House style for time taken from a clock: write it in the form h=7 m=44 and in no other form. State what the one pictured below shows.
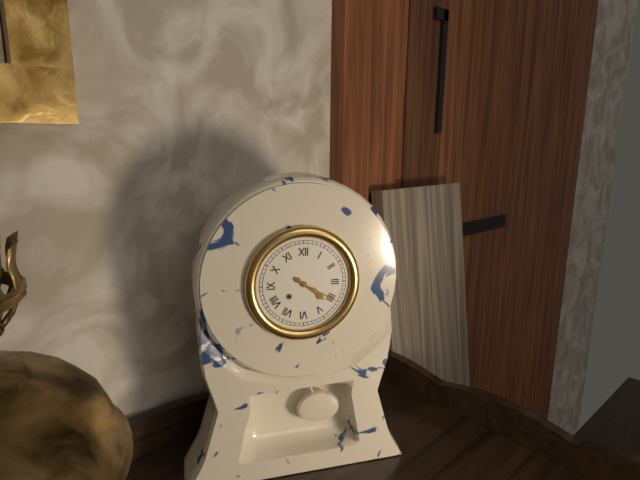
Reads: h=4 m=20
